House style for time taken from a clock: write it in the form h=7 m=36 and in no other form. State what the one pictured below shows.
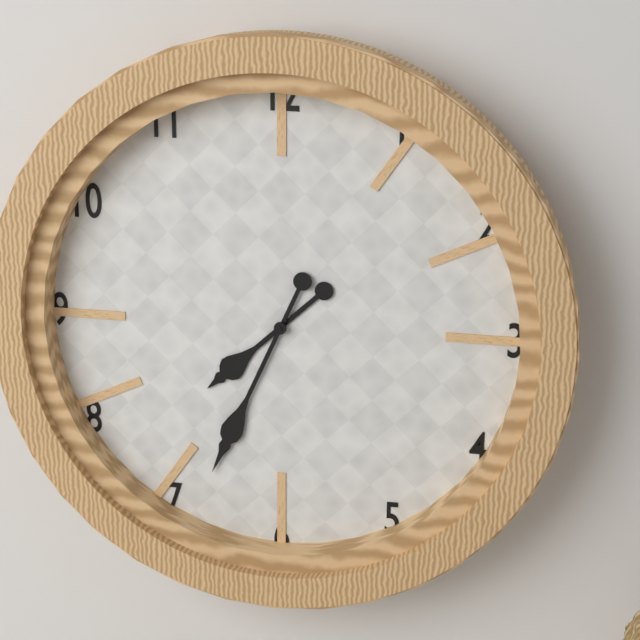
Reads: h=7 m=34
